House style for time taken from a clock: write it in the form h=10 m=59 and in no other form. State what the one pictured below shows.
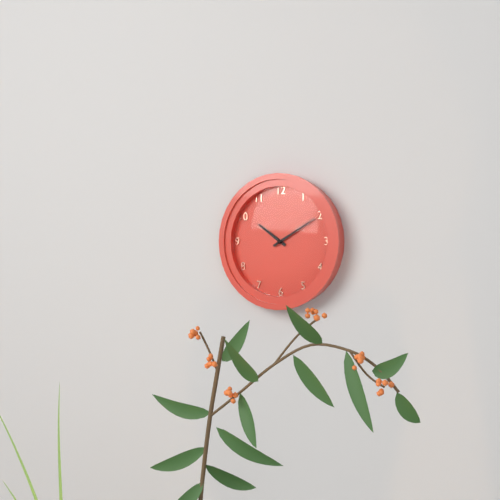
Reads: h=10 m=10
